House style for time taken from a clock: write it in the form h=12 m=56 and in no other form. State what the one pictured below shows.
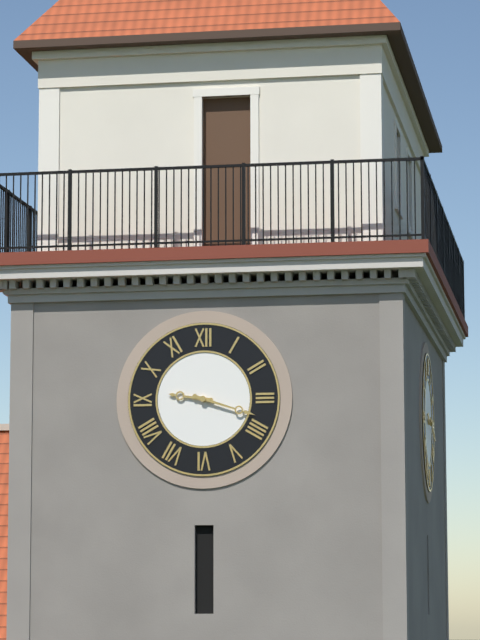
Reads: h=9 m=18
